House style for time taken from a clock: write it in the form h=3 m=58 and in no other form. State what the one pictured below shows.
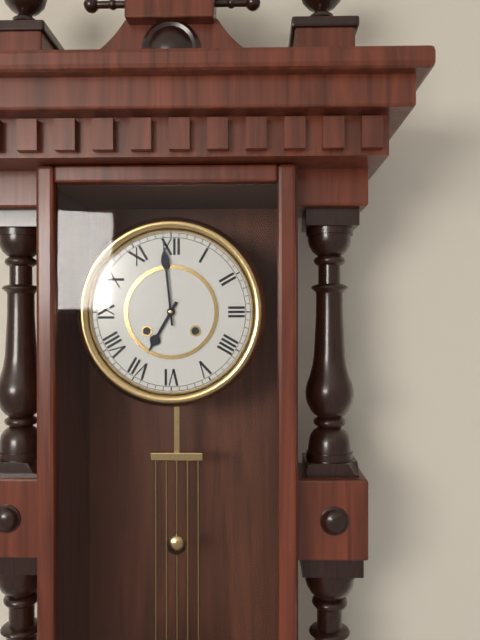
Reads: h=6 m=59
